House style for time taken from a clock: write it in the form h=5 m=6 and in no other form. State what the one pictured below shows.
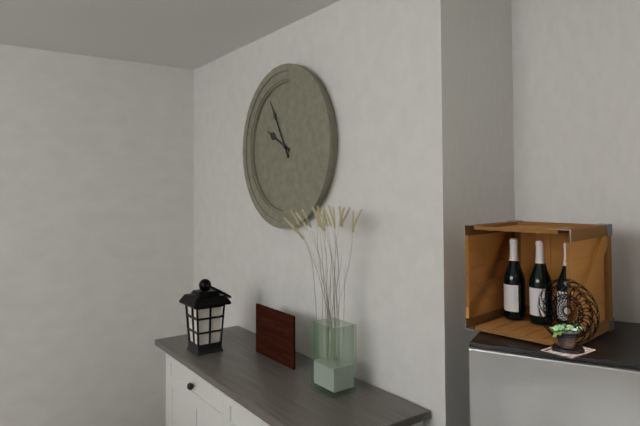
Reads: h=9 m=55
